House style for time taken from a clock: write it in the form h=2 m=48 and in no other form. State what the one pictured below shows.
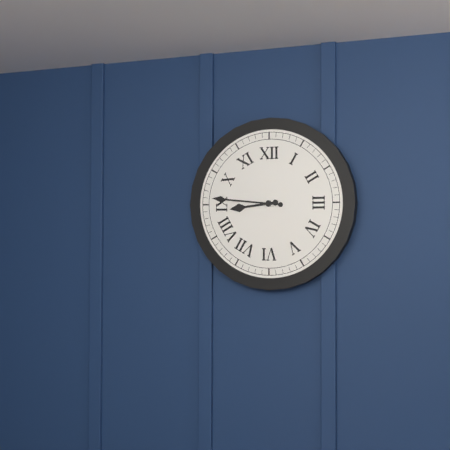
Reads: h=8 m=46
